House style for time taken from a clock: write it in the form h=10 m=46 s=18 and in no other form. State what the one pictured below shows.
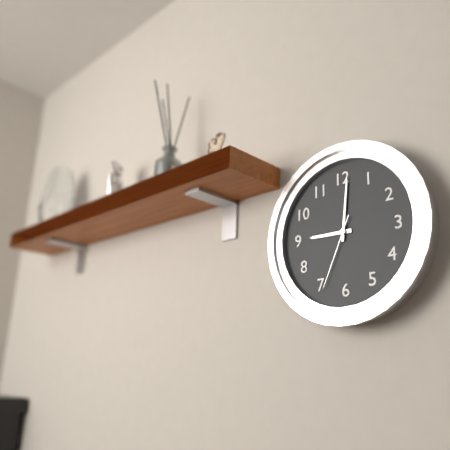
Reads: h=9 m=1 s=34
